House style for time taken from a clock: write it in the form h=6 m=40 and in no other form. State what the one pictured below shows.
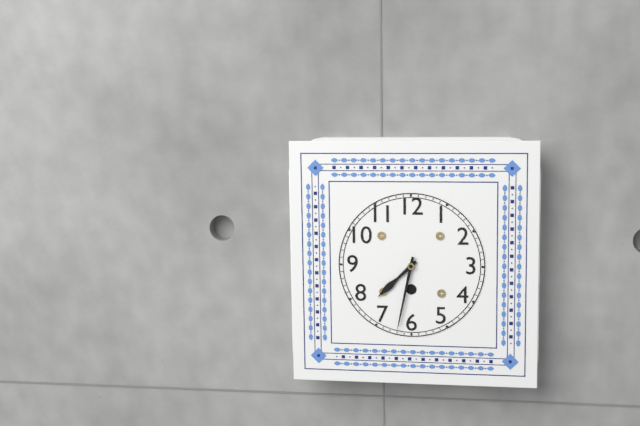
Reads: h=7 m=32
